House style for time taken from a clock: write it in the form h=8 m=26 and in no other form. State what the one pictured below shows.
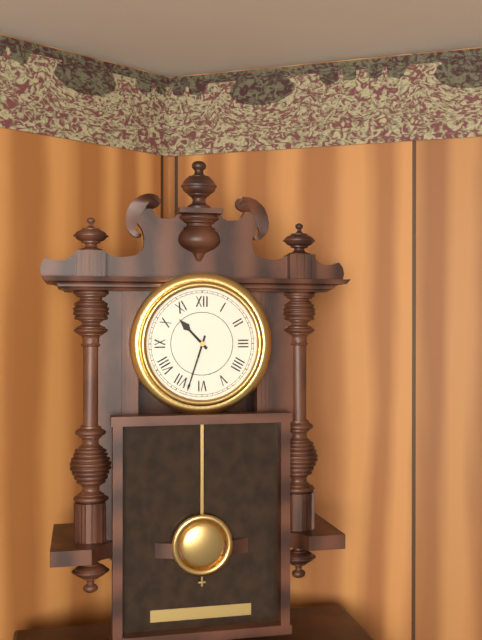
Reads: h=10 m=33
